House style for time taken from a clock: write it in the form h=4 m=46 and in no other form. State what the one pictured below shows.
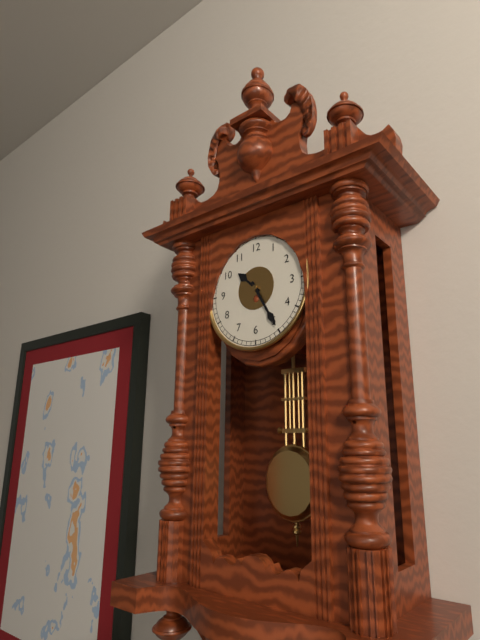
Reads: h=10 m=25
